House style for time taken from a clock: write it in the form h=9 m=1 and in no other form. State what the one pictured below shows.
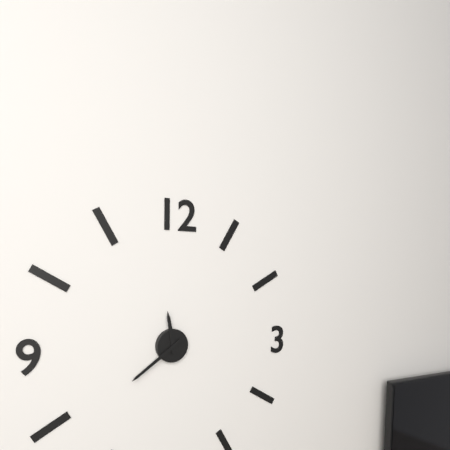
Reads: h=11 m=39
